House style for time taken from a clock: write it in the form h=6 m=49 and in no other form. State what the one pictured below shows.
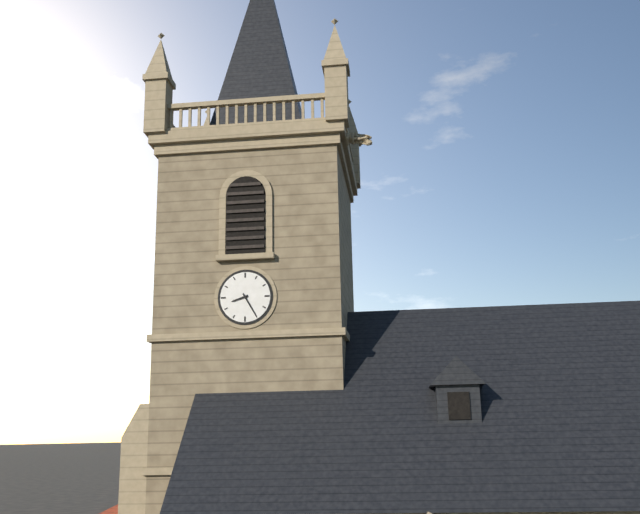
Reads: h=8 m=25
